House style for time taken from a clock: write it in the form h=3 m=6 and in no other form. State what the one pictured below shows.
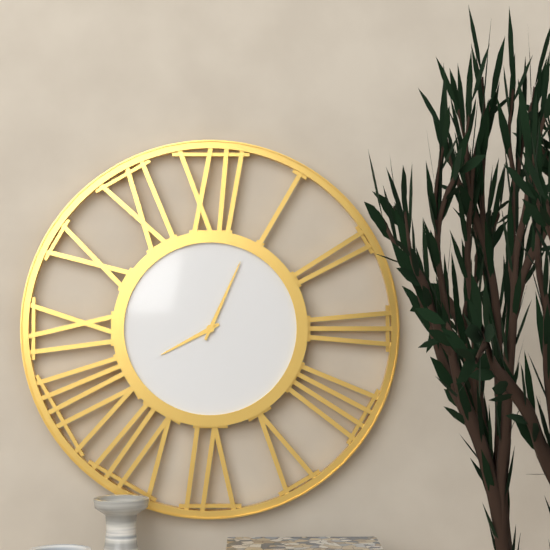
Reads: h=8 m=4
